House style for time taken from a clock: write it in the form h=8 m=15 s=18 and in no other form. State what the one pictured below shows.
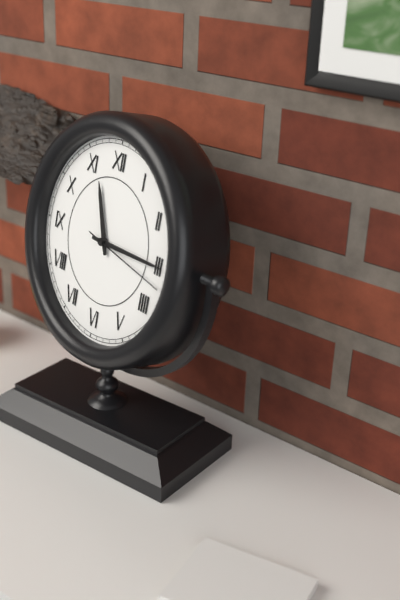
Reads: h=11 m=15 s=17
